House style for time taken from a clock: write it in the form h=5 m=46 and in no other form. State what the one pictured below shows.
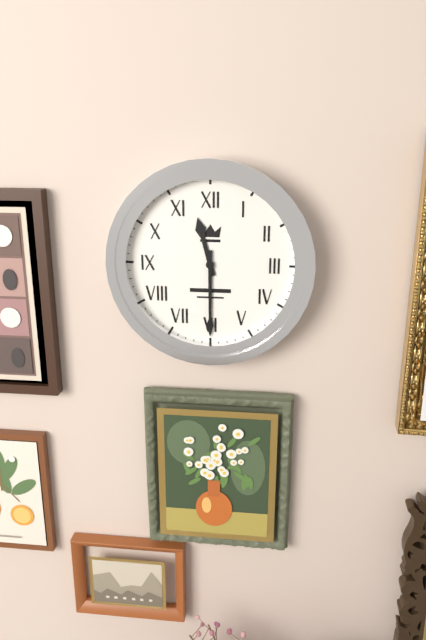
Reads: h=11 m=30
